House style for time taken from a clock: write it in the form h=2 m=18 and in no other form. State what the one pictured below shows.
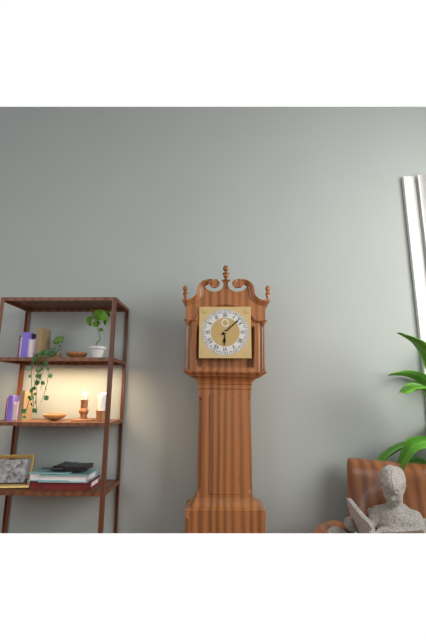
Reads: h=6 m=8
